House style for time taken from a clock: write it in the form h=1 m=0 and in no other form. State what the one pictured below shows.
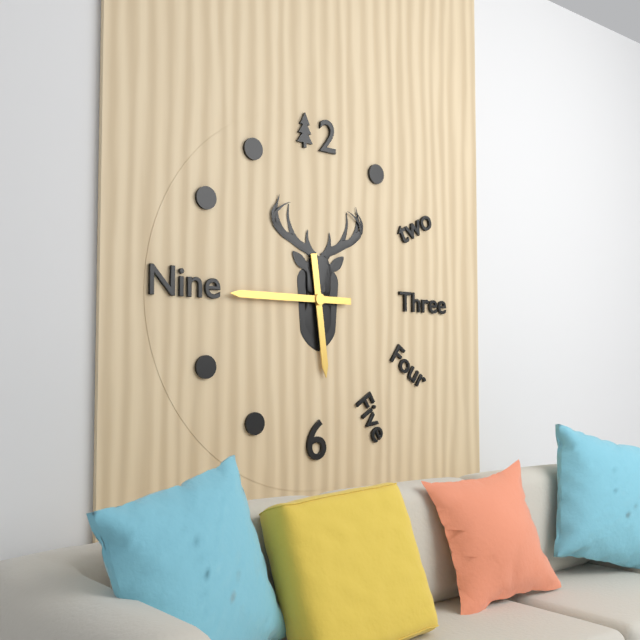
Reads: h=5 m=45
